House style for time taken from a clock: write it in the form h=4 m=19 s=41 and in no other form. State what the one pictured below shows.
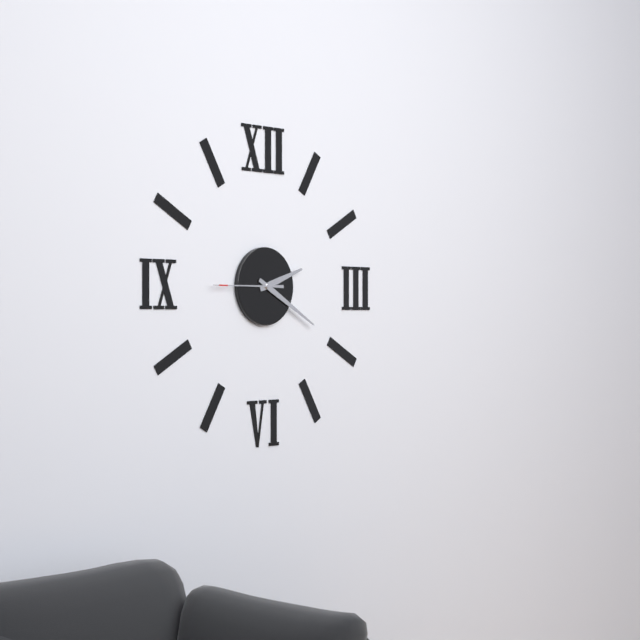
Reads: h=2 m=20 s=45
